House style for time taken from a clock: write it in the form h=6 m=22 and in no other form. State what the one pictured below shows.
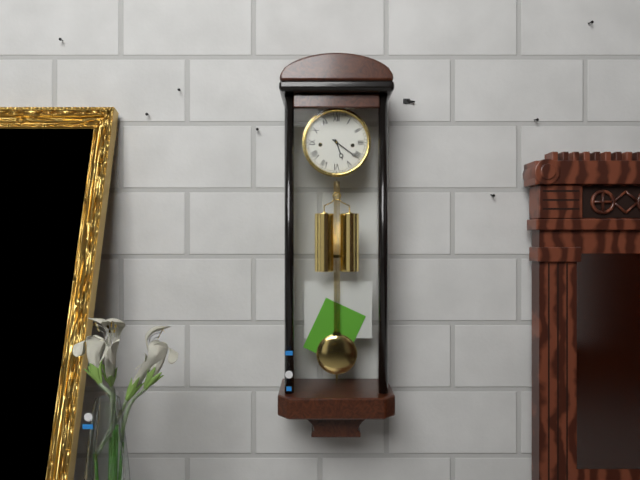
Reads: h=5 m=21
